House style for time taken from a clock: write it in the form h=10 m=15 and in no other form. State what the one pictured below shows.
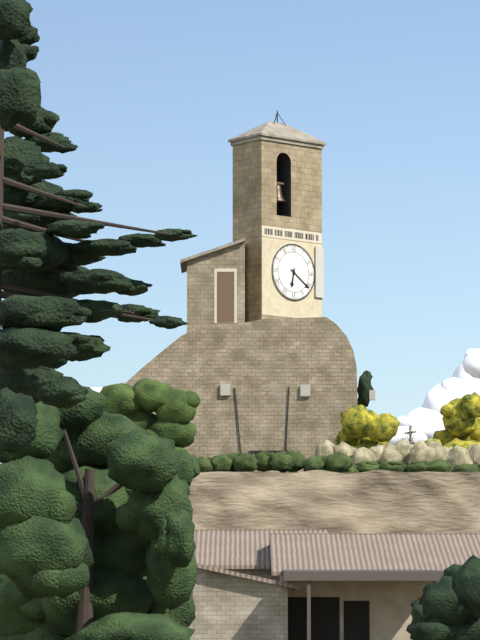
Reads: h=6 m=21
